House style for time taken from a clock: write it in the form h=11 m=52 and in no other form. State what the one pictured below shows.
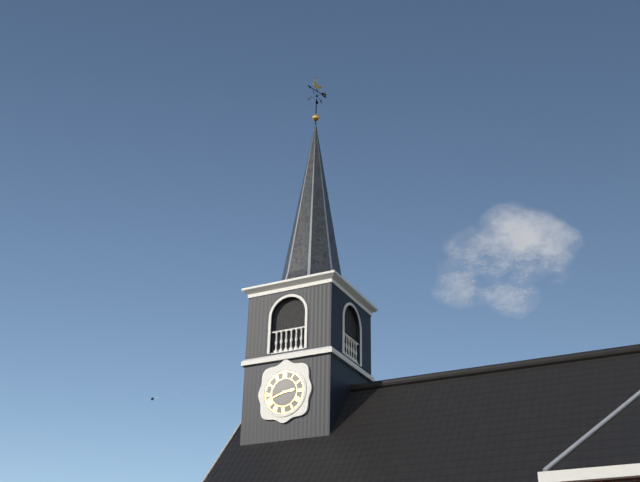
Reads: h=2 m=42
